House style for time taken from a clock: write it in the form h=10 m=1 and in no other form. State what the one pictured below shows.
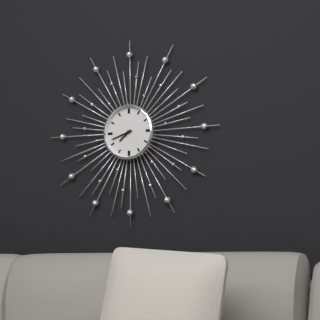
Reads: h=7 m=42
